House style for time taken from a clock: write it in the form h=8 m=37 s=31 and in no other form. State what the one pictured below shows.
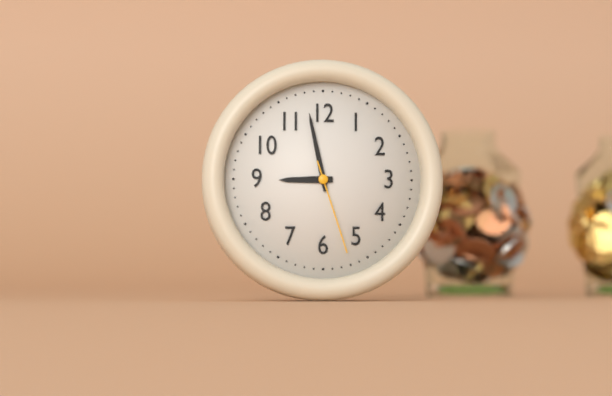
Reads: h=8 m=58 s=27
